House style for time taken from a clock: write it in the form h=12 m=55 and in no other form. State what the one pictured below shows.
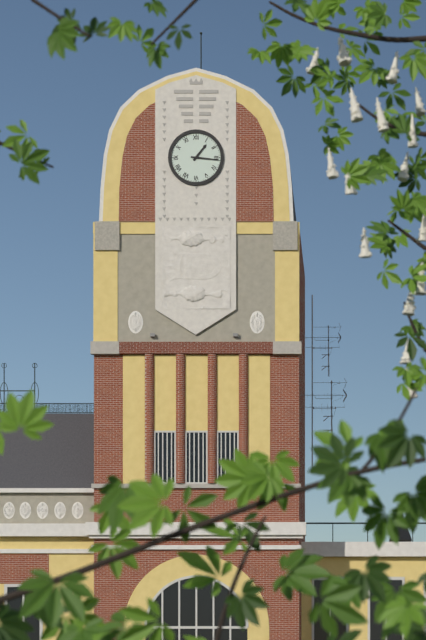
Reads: h=1 m=16
